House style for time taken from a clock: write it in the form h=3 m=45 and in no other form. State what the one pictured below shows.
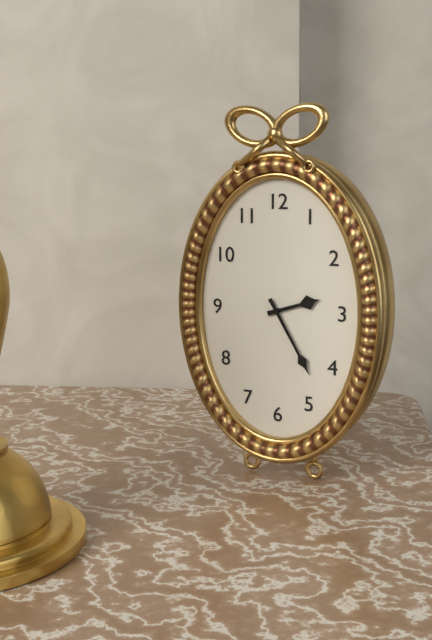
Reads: h=2 m=25
